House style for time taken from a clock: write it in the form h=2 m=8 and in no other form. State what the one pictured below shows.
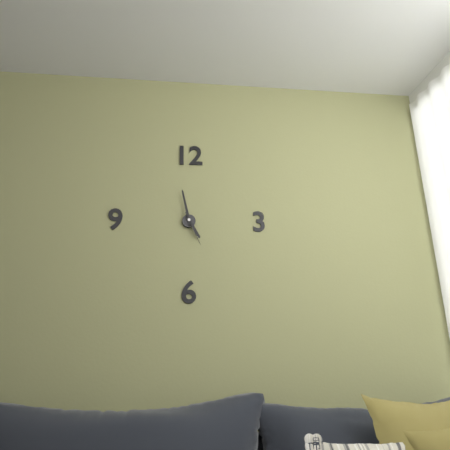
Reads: h=4 m=58
